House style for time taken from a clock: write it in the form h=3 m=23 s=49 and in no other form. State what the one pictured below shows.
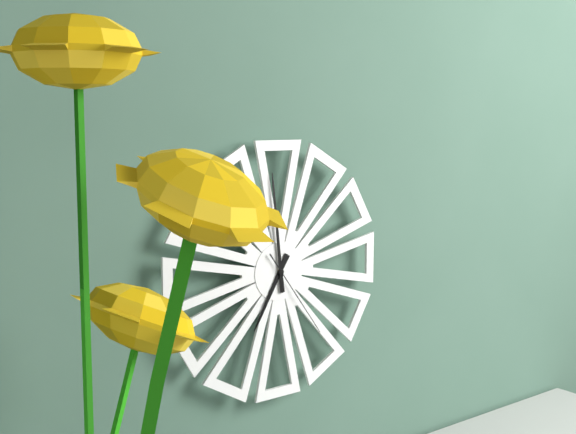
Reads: h=6 m=59 s=24
